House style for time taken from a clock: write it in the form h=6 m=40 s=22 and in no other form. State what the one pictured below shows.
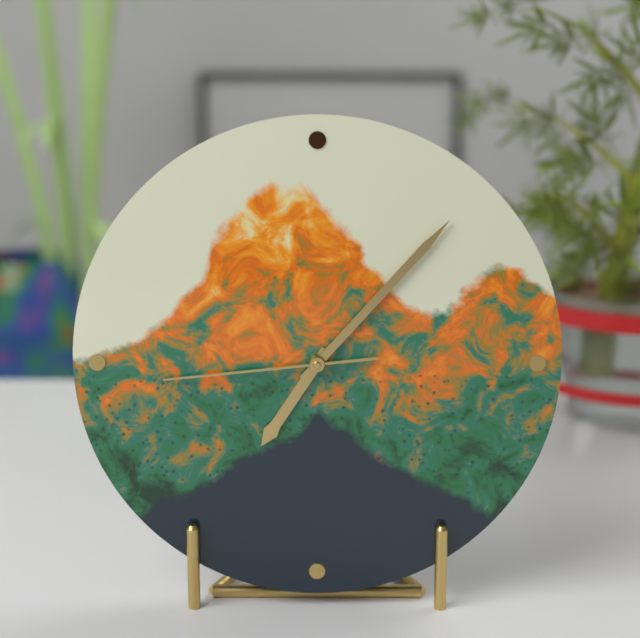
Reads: h=7 m=7 s=44
